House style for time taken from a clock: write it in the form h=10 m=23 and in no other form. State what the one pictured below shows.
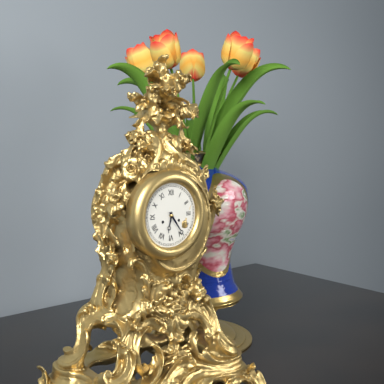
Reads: h=6 m=24
